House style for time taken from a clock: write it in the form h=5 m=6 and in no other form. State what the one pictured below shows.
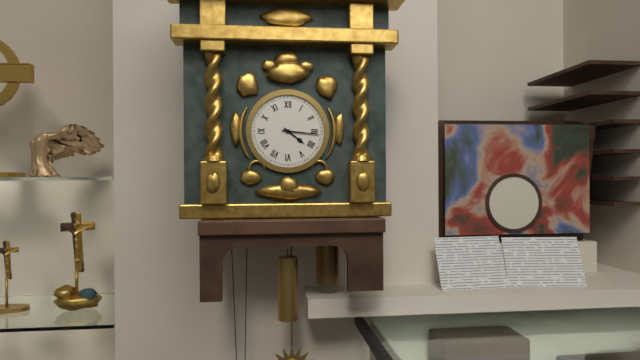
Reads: h=4 m=16
